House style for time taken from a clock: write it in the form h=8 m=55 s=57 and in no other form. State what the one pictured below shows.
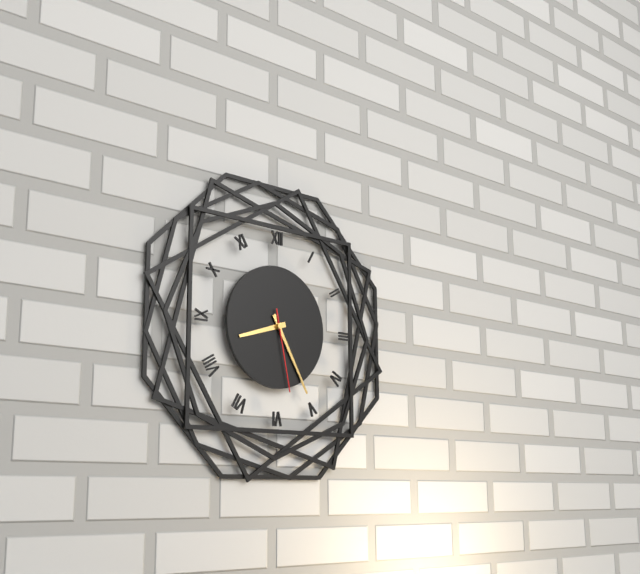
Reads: h=8 m=25 s=28
